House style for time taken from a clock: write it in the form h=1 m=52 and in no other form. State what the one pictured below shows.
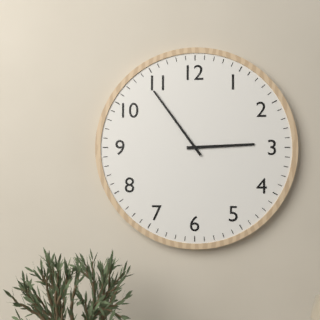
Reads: h=2 m=54
